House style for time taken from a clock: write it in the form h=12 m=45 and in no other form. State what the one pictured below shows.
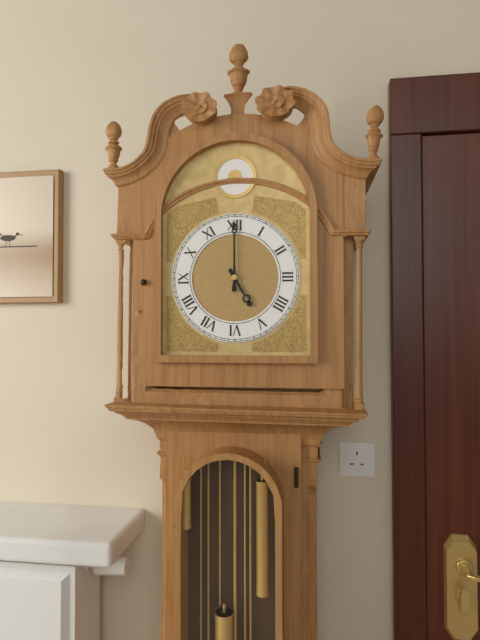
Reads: h=5 m=0
